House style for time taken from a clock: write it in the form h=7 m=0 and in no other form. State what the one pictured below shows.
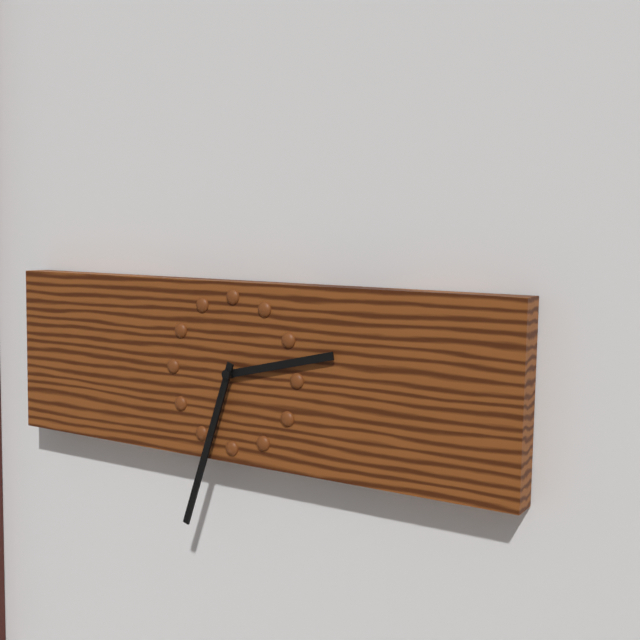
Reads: h=2 m=33
